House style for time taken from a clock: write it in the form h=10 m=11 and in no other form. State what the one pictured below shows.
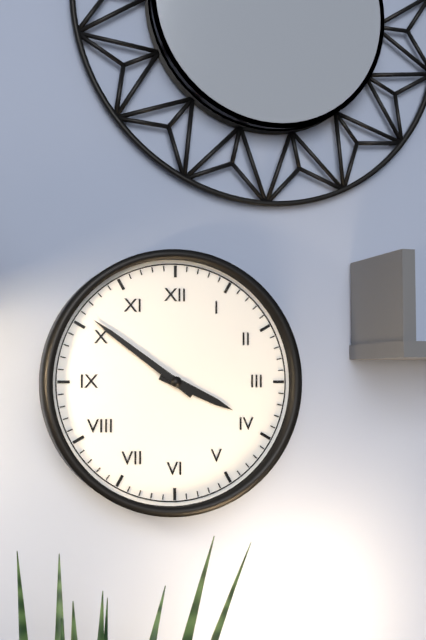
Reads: h=3 m=51
